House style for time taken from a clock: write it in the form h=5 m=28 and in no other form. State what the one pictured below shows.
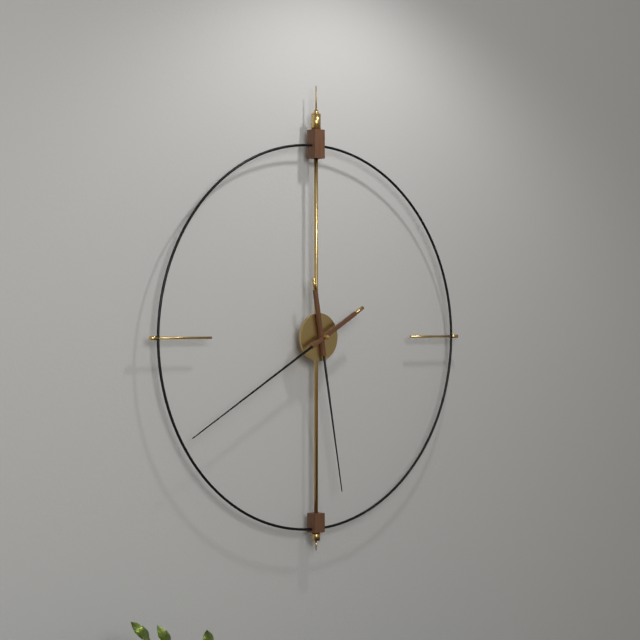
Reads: h=5 m=40
